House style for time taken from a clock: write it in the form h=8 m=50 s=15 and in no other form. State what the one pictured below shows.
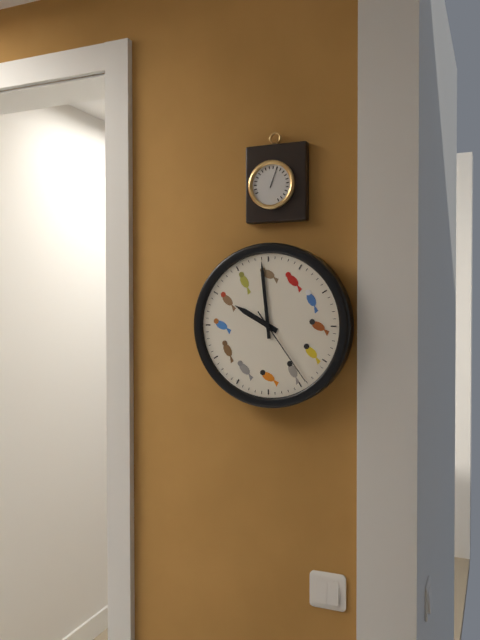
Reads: h=9 m=59 s=24
